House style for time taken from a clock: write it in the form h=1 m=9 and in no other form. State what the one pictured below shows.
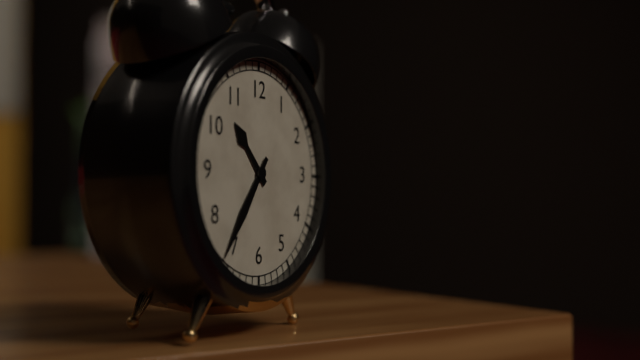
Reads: h=10 m=36
